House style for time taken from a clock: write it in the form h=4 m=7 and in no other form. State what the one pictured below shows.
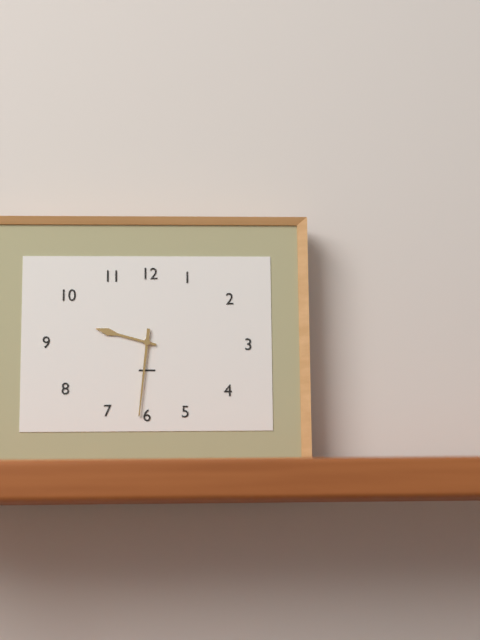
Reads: h=9 m=31
